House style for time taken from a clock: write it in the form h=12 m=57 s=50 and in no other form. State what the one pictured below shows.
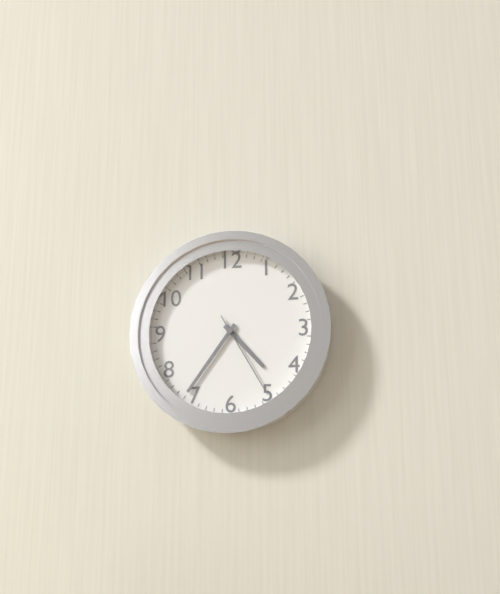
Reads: h=4 m=36 s=25
